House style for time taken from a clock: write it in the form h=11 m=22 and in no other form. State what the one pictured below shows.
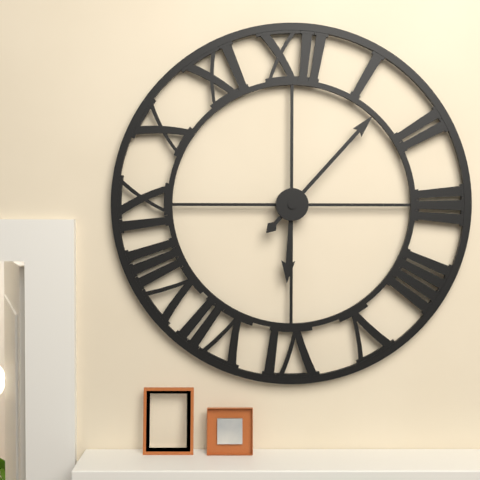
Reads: h=6 m=7
